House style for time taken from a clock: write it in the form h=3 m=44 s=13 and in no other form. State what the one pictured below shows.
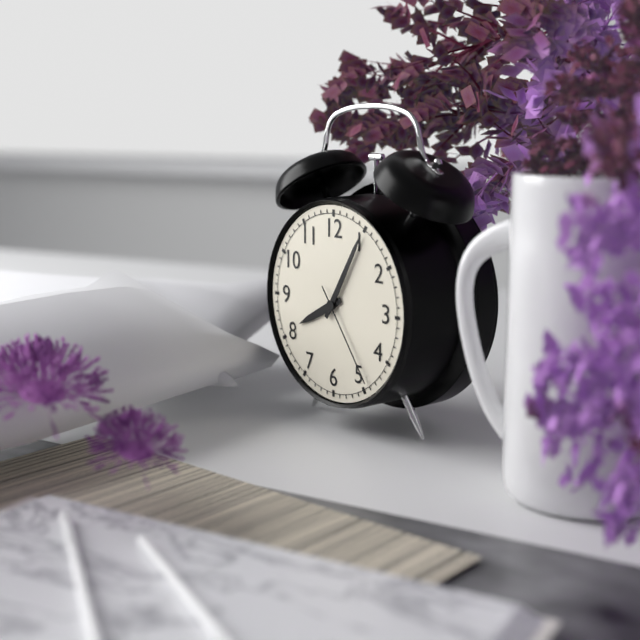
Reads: h=8 m=5 s=24
